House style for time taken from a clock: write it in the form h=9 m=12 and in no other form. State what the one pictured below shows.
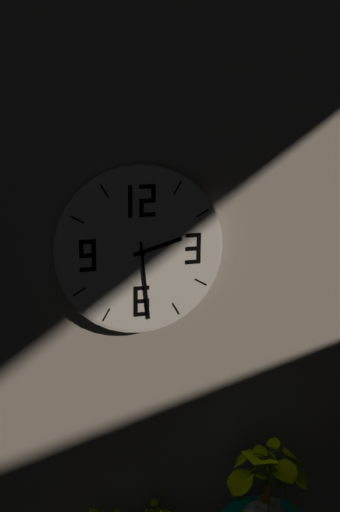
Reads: h=2 m=29
